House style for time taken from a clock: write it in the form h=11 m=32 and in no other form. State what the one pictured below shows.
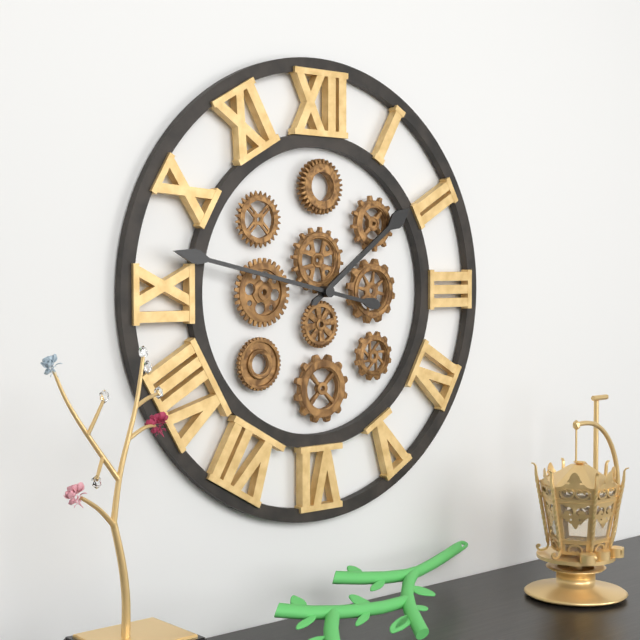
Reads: h=1 m=47
